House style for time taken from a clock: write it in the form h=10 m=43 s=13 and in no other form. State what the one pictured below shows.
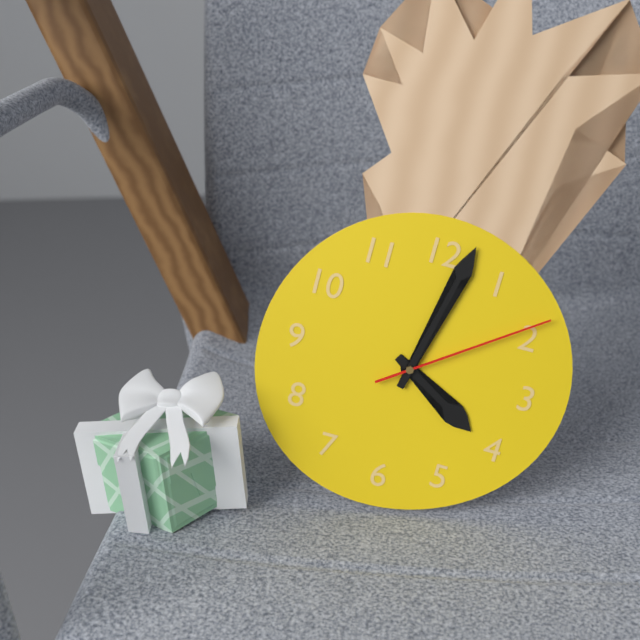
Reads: h=4 m=2 s=9
